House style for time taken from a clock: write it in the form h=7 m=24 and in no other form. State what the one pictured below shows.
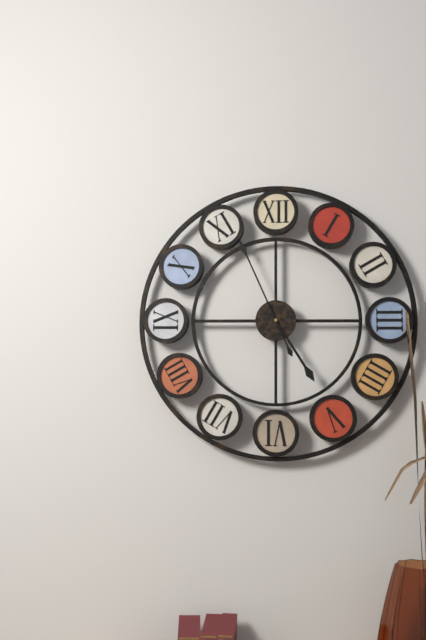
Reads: h=4 m=56
